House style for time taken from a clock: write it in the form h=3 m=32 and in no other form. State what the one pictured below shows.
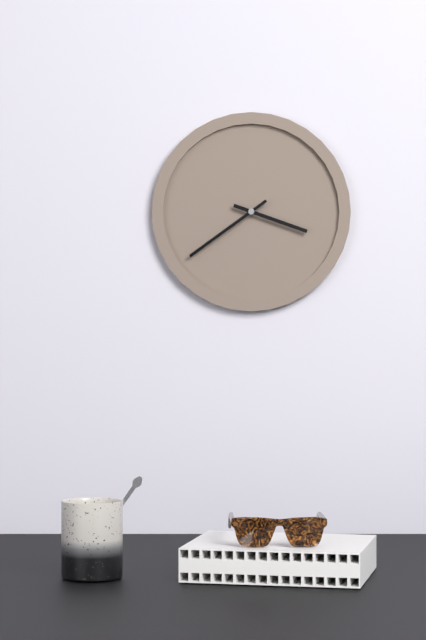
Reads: h=3 m=39
